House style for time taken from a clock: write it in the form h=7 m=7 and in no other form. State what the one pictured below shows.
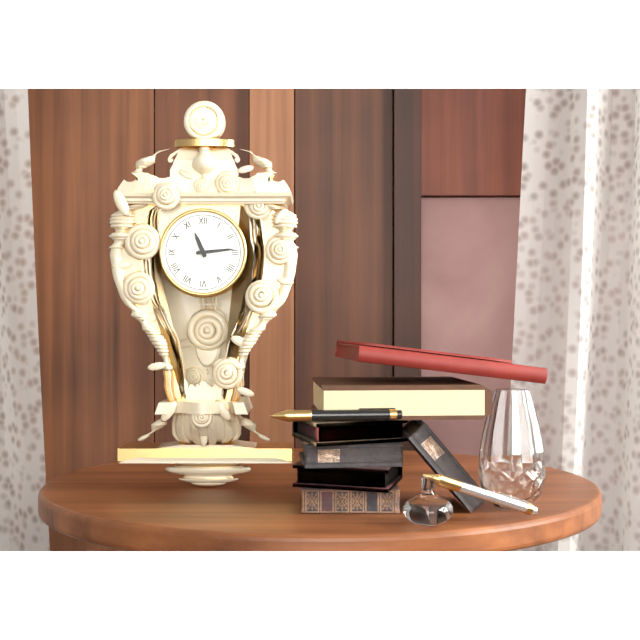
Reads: h=11 m=14
